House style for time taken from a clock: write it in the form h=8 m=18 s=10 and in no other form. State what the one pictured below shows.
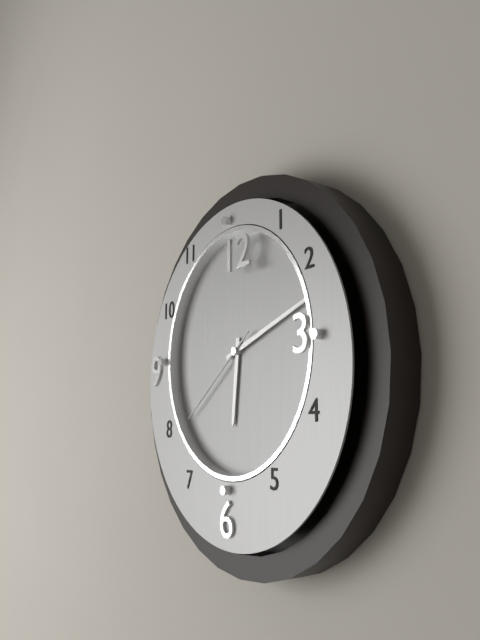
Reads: h=6 m=12 s=39
